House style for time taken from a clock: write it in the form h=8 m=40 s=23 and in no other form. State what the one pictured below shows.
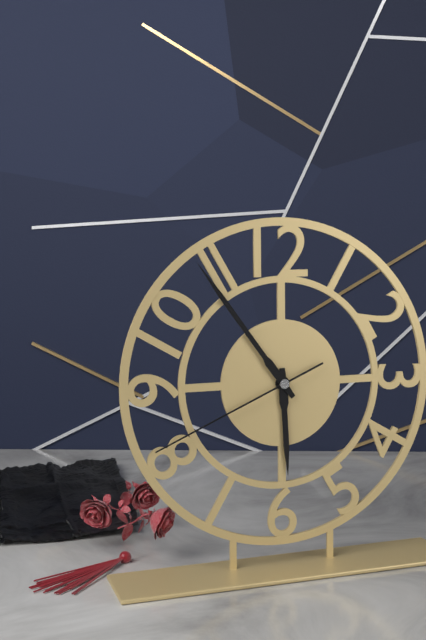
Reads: h=5 m=54 s=41
